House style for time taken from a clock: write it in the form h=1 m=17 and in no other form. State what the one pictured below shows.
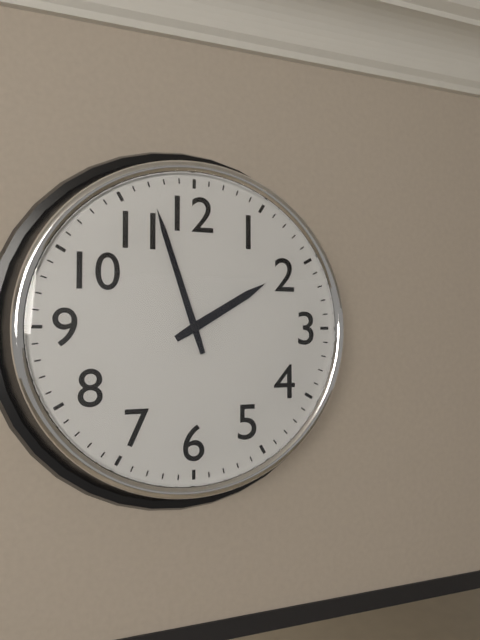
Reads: h=1 m=57
